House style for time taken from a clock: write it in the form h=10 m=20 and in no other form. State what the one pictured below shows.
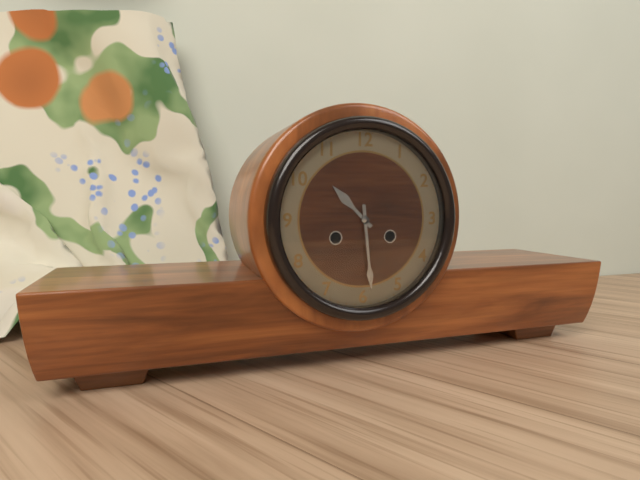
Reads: h=10 m=29
